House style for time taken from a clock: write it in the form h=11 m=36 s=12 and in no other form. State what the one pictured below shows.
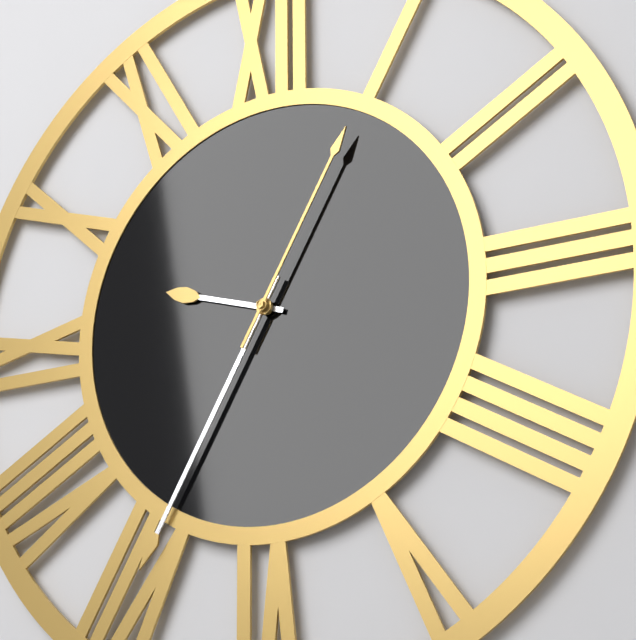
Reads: h=9 m=35 s=5
